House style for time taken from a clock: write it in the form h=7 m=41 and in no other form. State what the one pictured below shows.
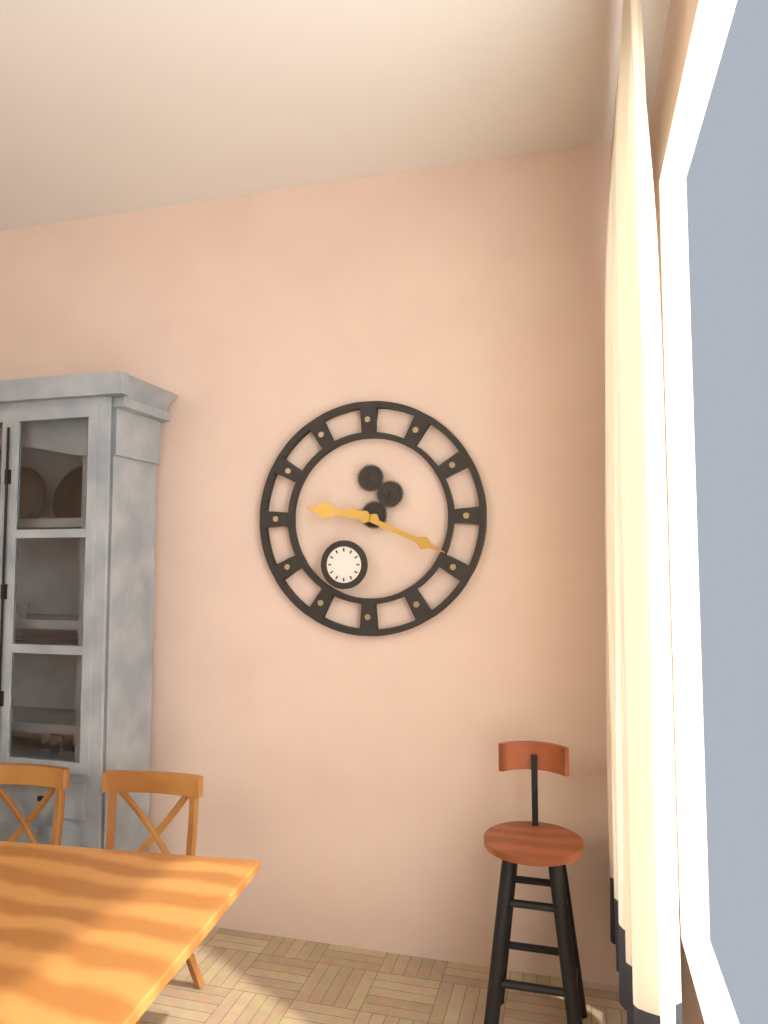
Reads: h=9 m=19
